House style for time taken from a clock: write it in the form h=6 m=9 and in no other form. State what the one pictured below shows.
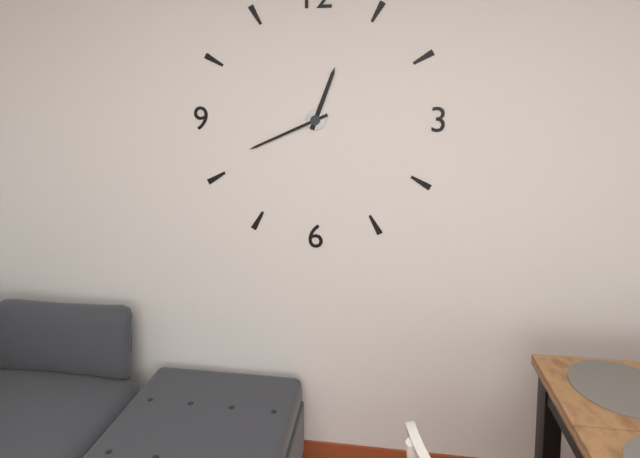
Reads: h=12 m=41
